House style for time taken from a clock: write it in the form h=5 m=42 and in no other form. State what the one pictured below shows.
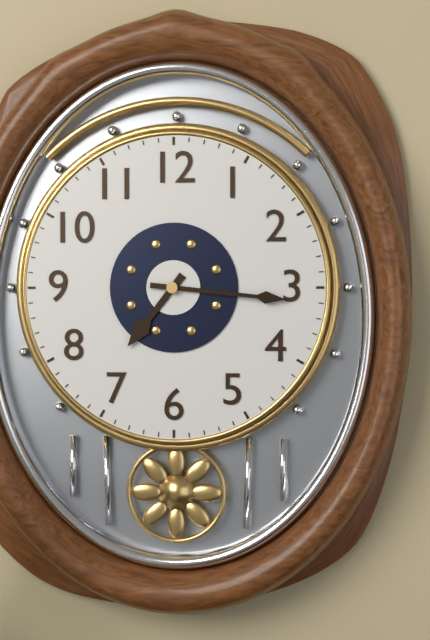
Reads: h=7 m=16
